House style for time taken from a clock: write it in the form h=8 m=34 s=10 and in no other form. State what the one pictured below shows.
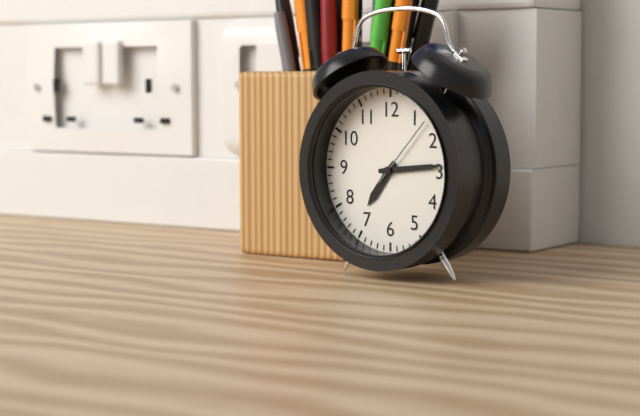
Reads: h=7 m=14 s=7
